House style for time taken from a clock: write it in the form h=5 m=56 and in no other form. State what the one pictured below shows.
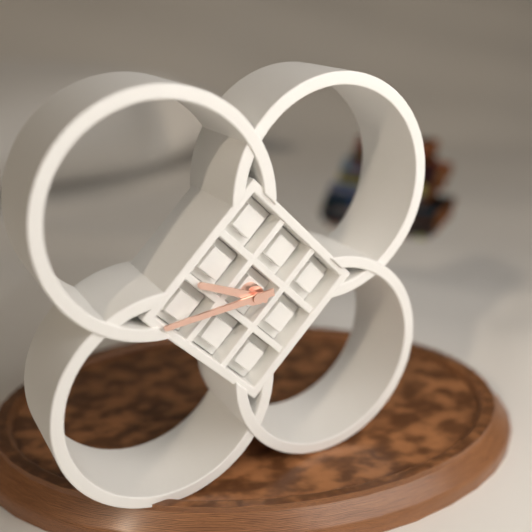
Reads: h=9 m=44
